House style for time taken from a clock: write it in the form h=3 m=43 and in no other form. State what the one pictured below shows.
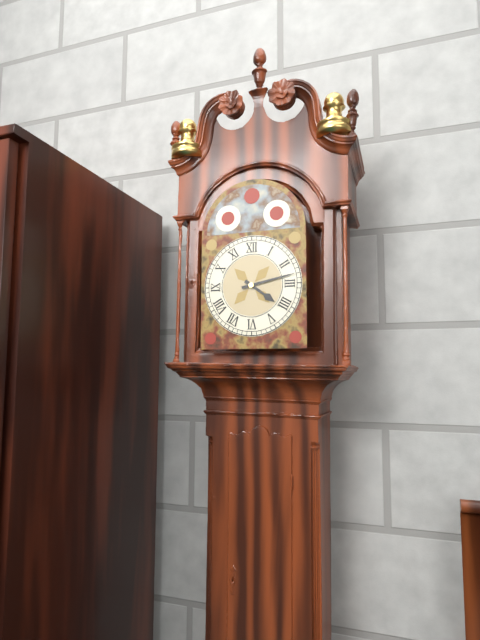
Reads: h=4 m=13
